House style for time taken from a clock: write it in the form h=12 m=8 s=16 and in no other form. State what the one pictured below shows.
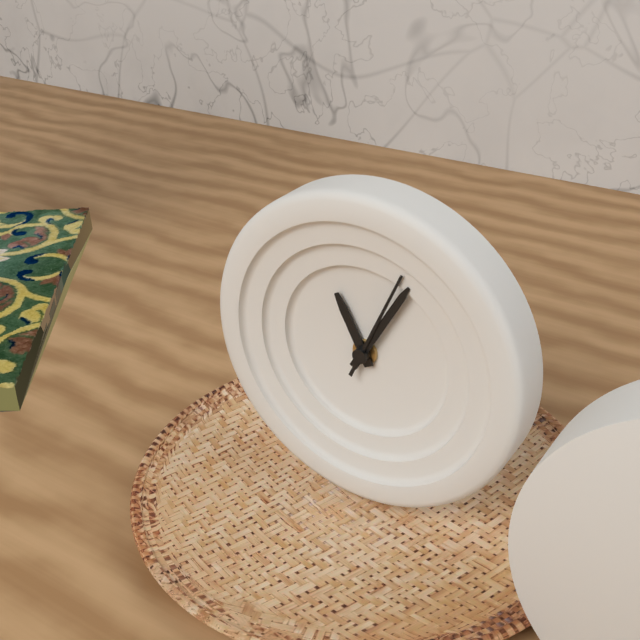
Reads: h=11 m=5 s=4
